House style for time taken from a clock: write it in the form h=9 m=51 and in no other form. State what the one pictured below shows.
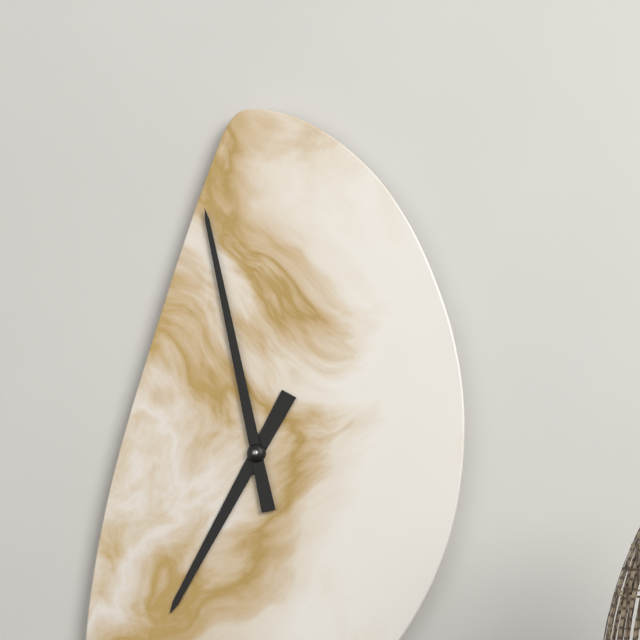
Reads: h=6 m=58
